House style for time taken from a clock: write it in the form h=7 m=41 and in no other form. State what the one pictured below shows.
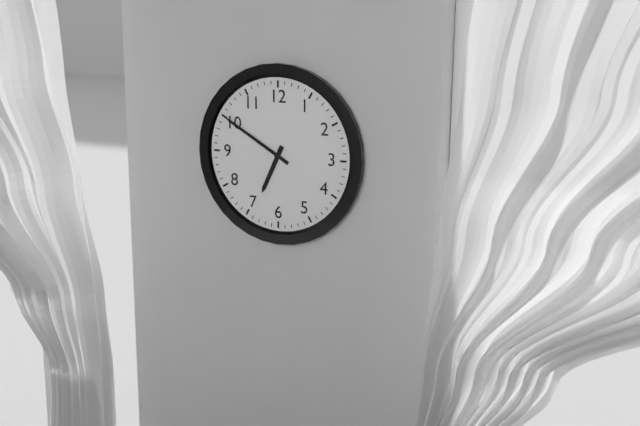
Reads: h=6 m=50
